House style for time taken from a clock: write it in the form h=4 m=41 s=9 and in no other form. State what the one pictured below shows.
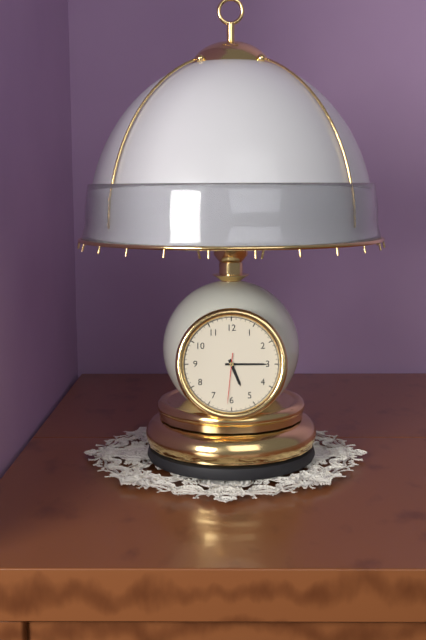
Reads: h=5 m=15 s=31
